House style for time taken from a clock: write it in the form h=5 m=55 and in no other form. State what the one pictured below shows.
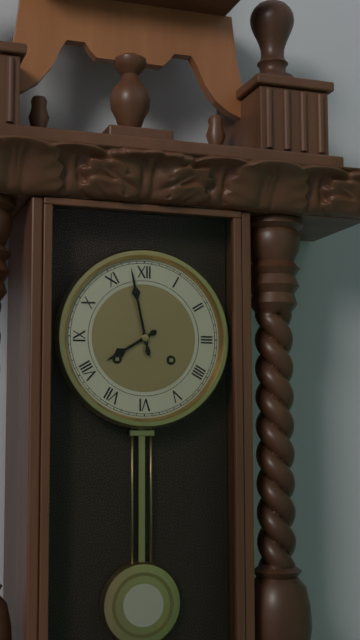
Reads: h=7 m=58
